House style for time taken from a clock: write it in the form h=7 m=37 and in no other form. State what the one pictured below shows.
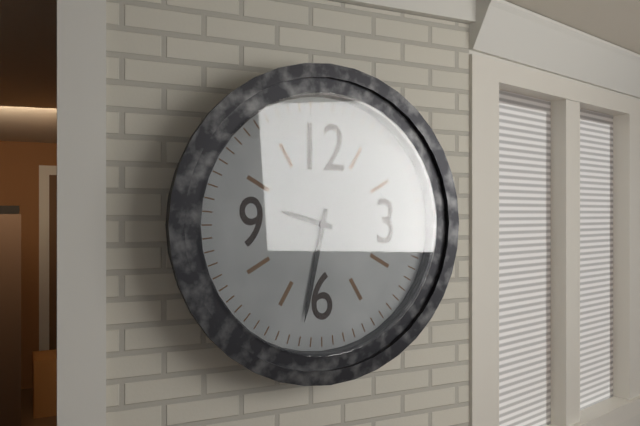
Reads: h=9 m=32
